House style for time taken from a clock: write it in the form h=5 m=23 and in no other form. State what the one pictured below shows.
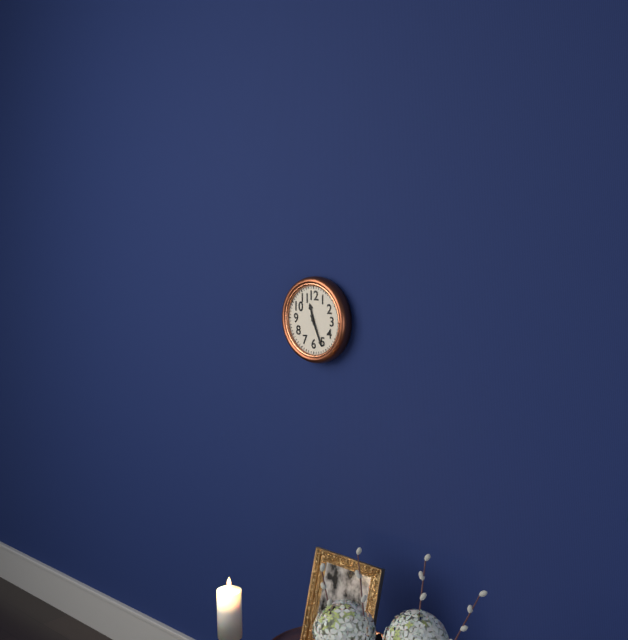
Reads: h=11 m=26
